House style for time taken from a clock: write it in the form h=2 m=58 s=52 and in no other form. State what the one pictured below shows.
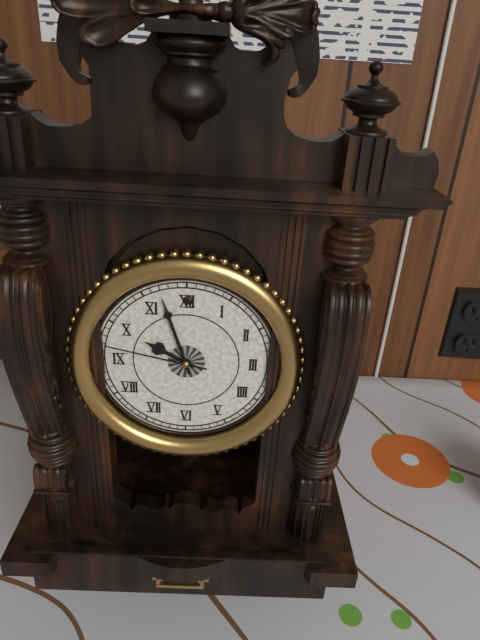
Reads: h=9 m=57 s=47
